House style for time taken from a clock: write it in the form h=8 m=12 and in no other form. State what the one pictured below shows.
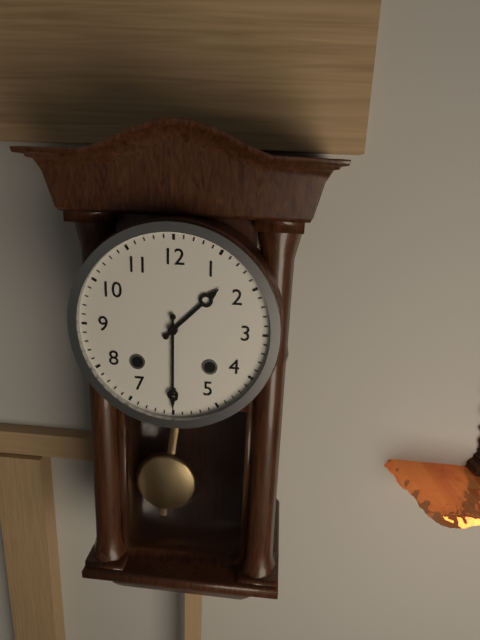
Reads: h=1 m=30
